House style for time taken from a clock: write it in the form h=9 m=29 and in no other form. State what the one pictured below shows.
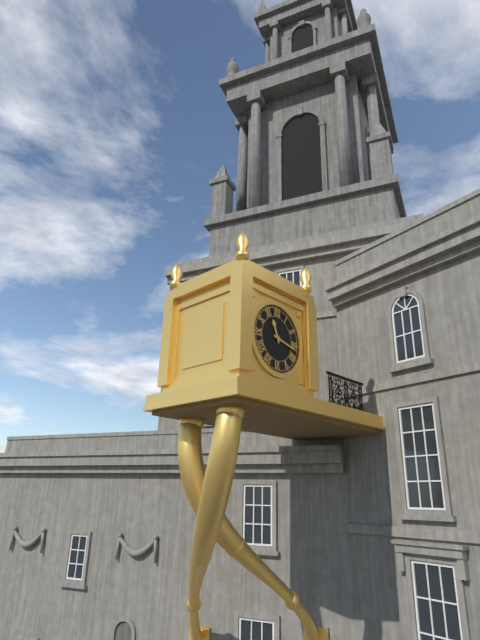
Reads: h=11 m=17
